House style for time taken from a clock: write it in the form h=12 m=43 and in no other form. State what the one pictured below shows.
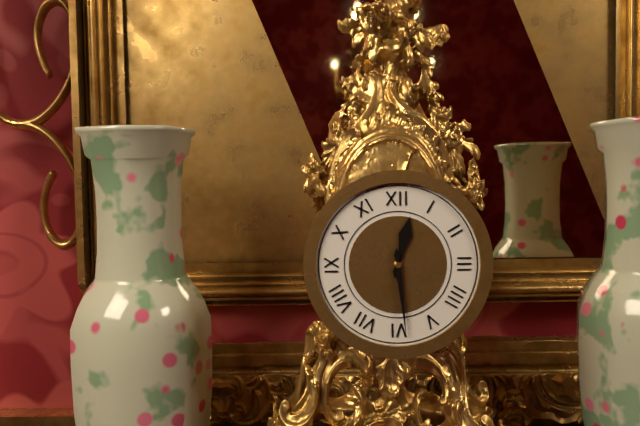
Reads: h=12 m=29
